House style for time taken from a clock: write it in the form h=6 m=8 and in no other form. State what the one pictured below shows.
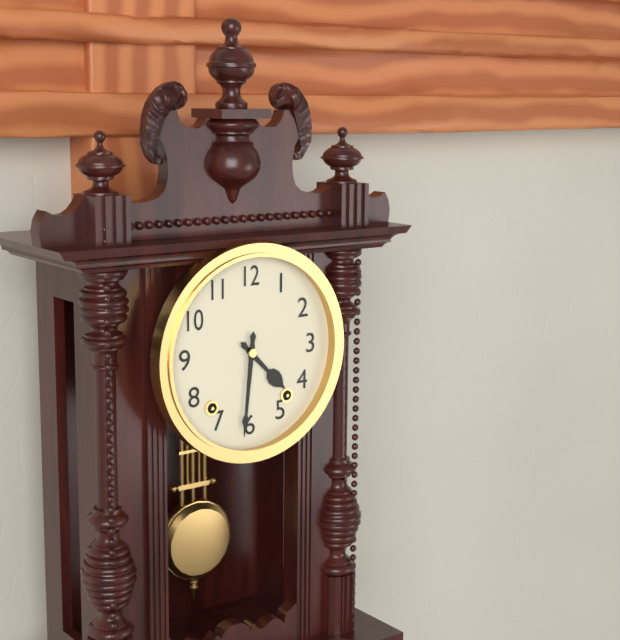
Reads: h=4 m=31
